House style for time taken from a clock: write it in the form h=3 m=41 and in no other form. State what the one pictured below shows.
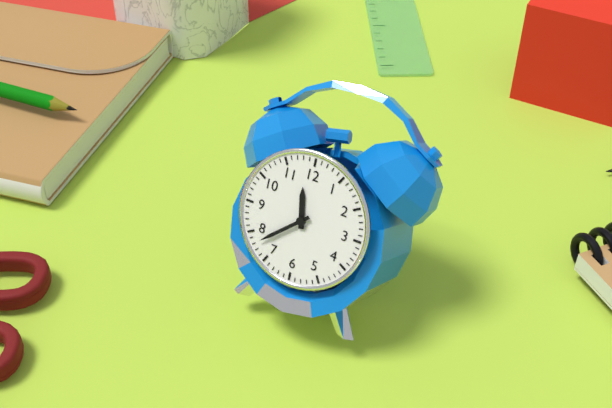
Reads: h=11 m=38
